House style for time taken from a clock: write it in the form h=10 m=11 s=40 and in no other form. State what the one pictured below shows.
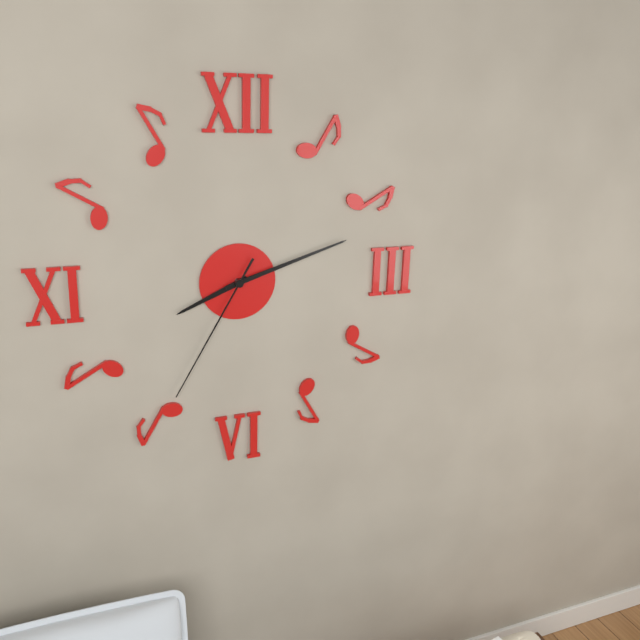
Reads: h=8 m=12 s=35
